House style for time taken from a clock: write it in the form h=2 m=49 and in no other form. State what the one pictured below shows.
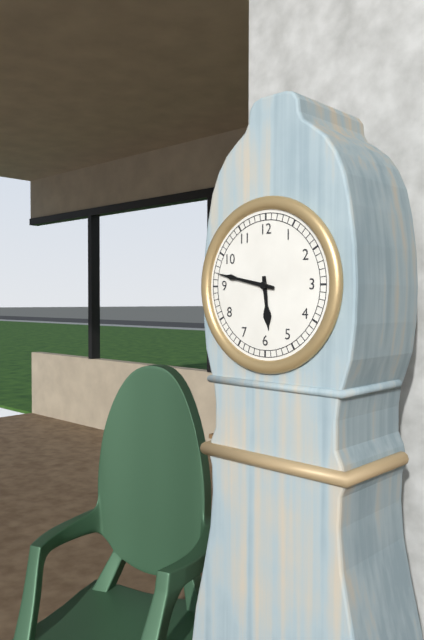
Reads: h=5 m=47
